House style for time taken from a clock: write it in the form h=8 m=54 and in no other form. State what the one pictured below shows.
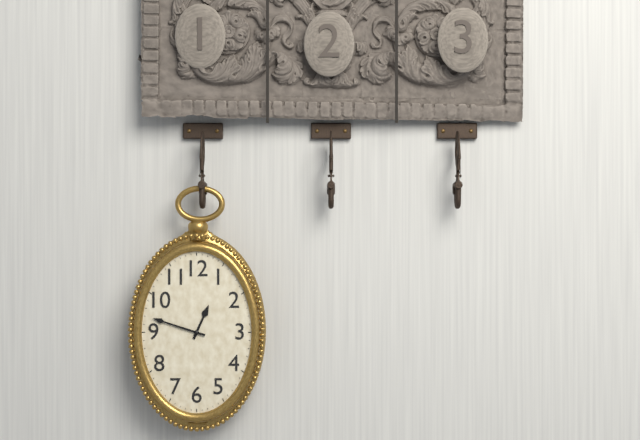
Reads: h=12 m=48
